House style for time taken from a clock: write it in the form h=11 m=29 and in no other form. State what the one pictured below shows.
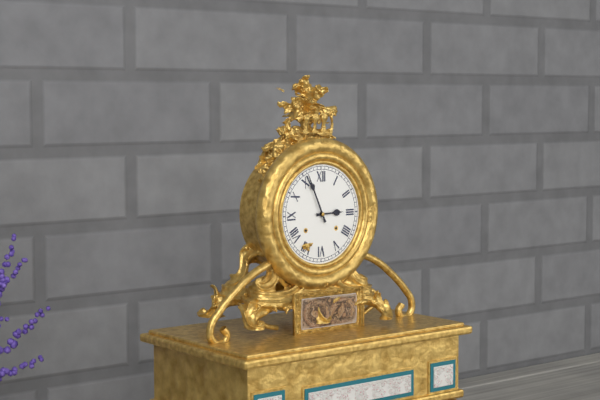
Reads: h=2 m=56
